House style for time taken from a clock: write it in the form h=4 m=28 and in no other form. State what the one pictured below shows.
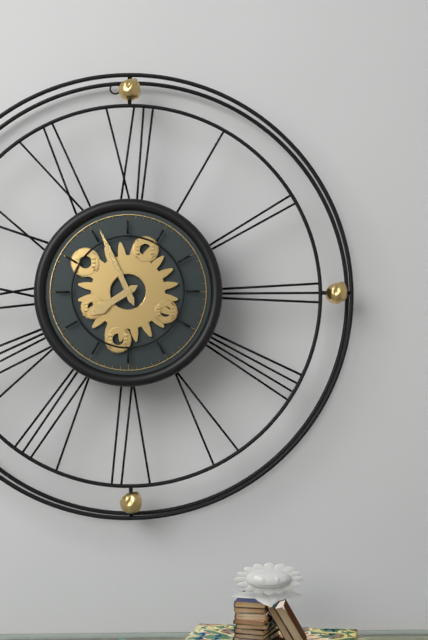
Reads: h=7 m=56
